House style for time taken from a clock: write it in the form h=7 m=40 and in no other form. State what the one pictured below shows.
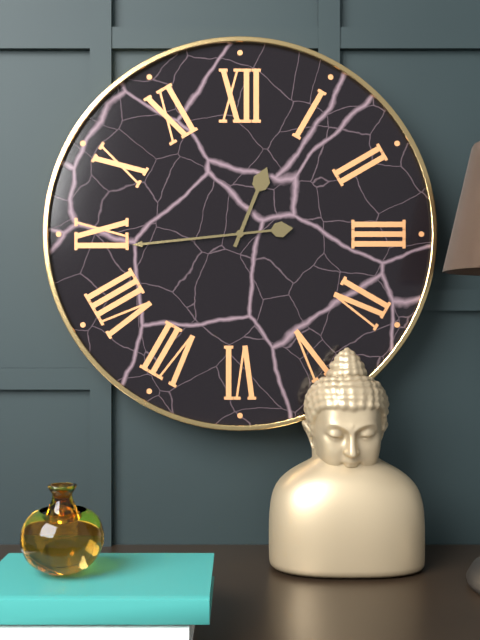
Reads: h=12 m=44
